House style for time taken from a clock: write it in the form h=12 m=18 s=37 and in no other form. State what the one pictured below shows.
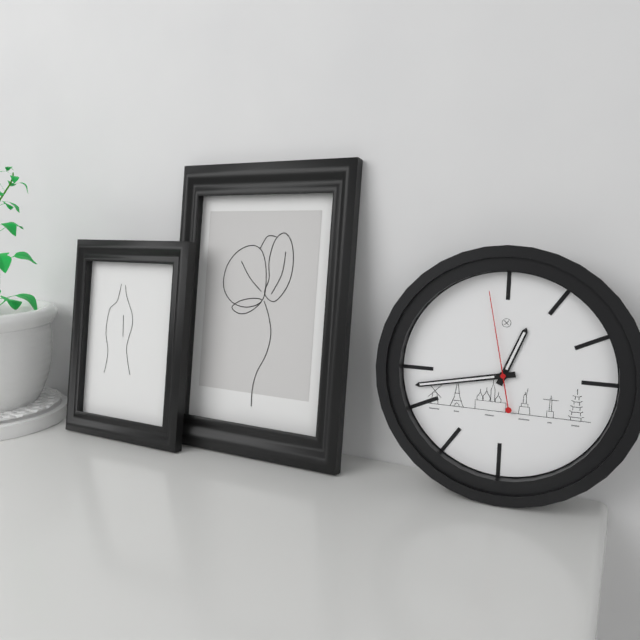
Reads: h=12 m=43 s=58
